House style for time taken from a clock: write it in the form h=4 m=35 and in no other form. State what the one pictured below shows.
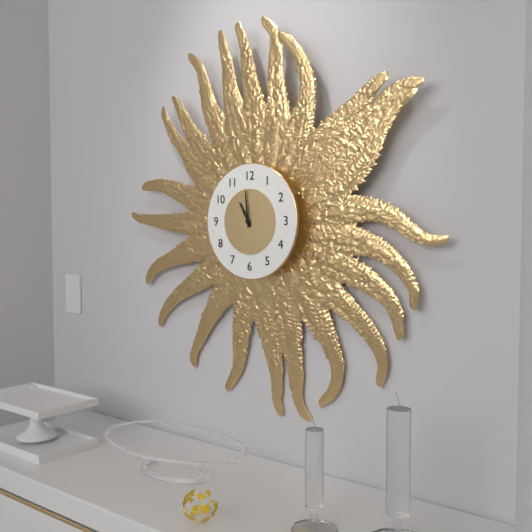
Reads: h=10 m=59
